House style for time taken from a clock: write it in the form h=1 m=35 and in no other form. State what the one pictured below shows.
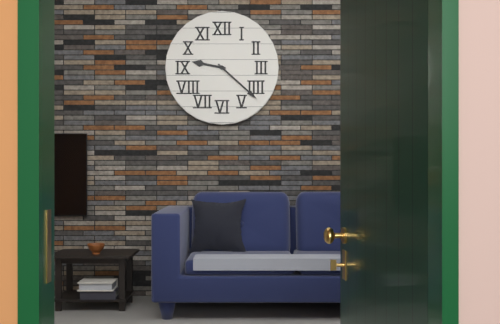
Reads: h=9 m=22
